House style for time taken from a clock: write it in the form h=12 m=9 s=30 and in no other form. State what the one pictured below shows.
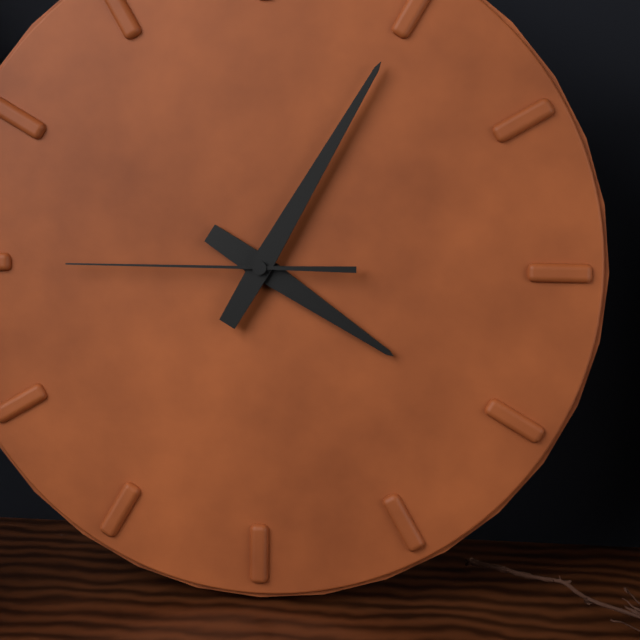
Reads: h=4 m=5 s=45
